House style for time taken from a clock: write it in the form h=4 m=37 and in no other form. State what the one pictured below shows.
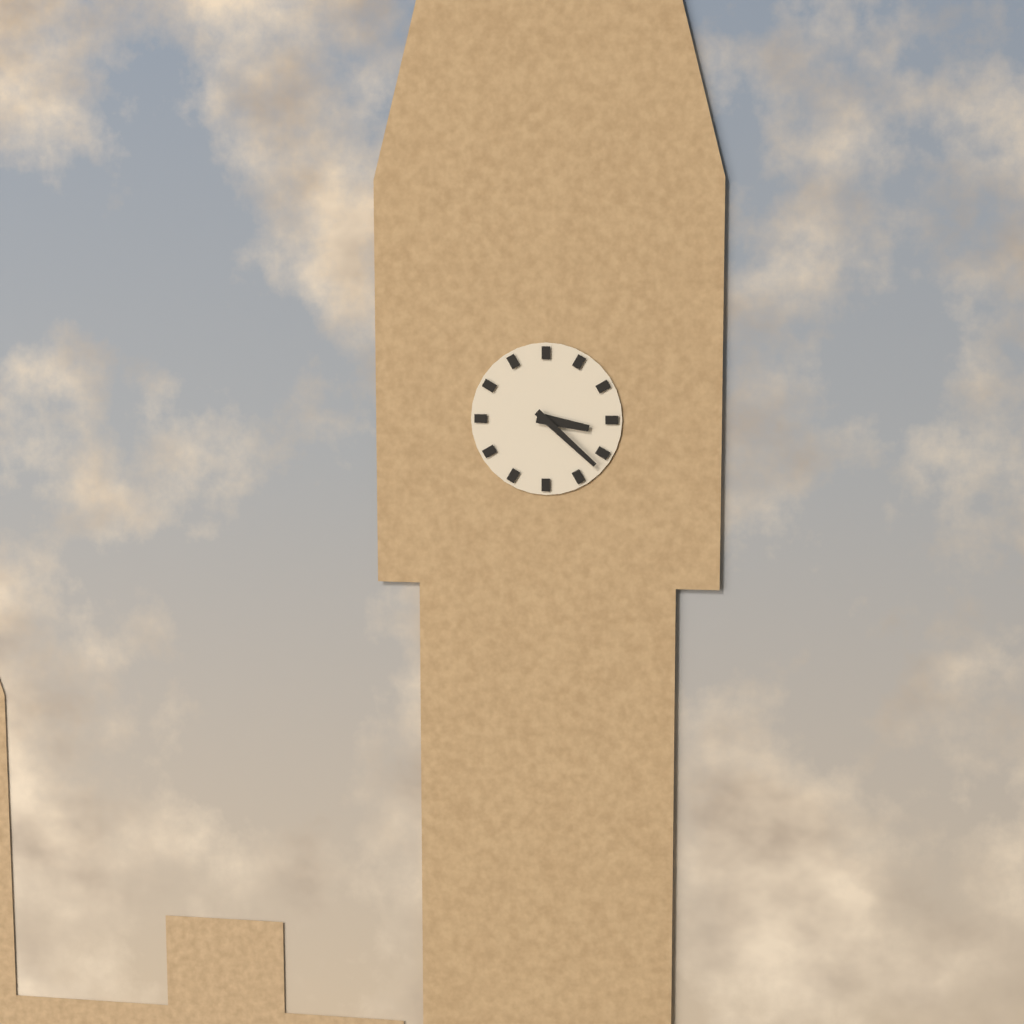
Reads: h=3 m=22
